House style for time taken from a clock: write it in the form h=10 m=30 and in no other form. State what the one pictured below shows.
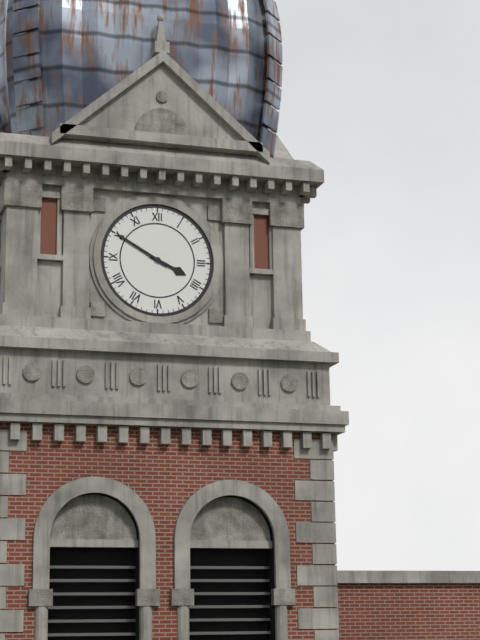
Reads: h=3 m=50
